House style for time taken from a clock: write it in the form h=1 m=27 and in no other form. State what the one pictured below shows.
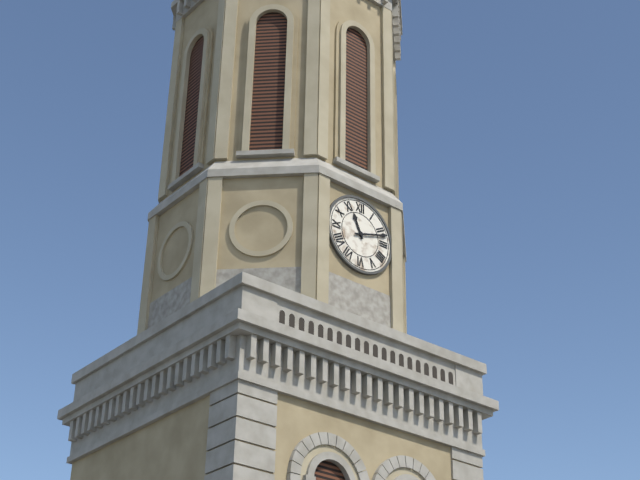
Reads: h=11 m=12
